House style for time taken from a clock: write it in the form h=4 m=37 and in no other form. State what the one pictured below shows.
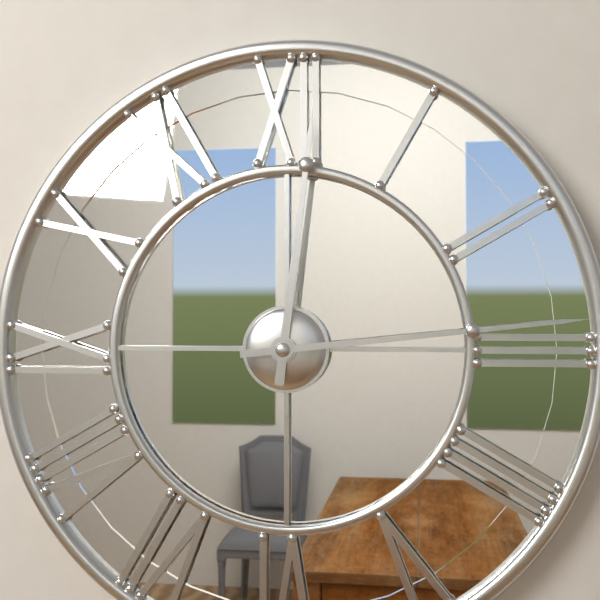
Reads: h=12 m=14
